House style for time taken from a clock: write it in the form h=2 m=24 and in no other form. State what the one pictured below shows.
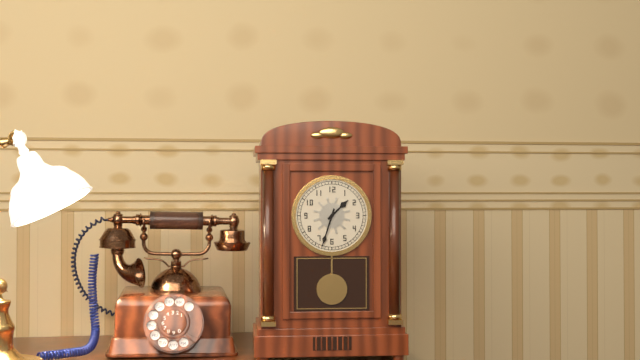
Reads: h=1 m=33
